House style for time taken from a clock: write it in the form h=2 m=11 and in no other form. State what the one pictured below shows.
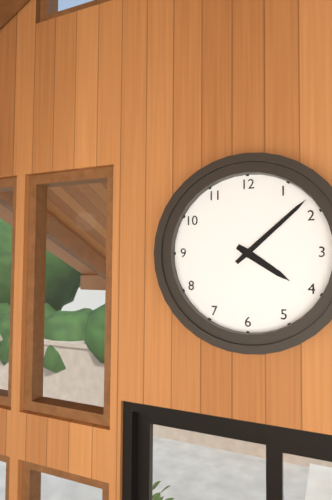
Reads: h=4 m=8
